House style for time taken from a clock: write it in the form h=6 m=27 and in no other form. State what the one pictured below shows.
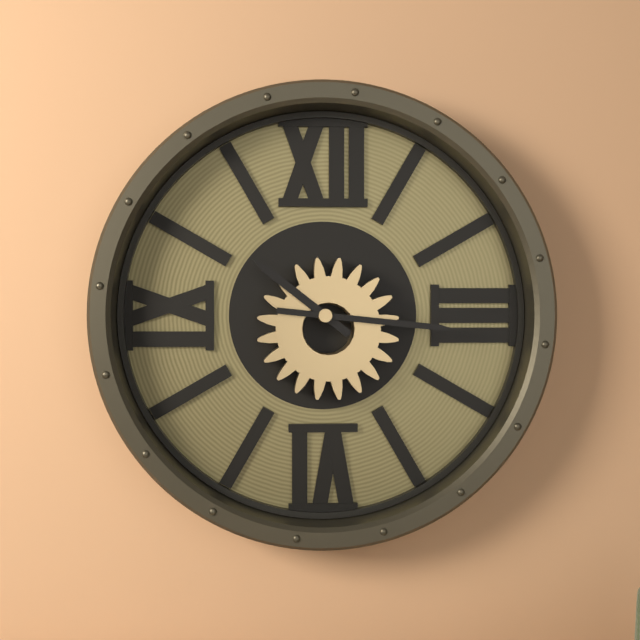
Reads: h=10 m=16
